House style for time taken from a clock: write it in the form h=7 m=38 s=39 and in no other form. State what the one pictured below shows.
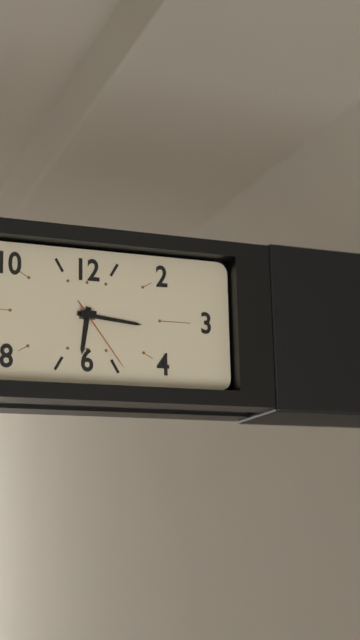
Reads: h=6 m=16 s=24
